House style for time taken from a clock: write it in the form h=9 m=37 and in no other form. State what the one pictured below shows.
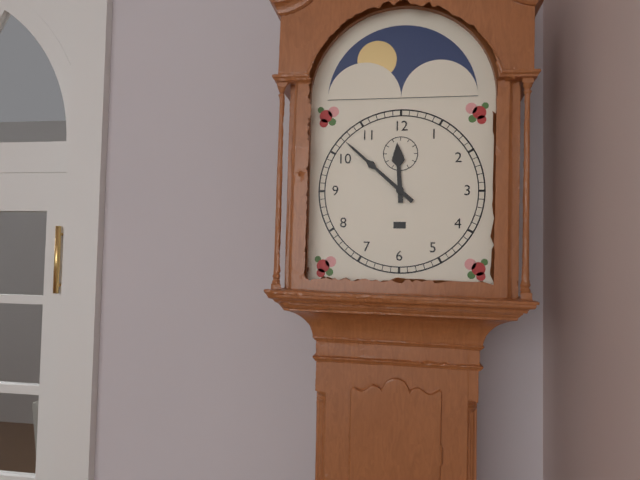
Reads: h=11 m=52
